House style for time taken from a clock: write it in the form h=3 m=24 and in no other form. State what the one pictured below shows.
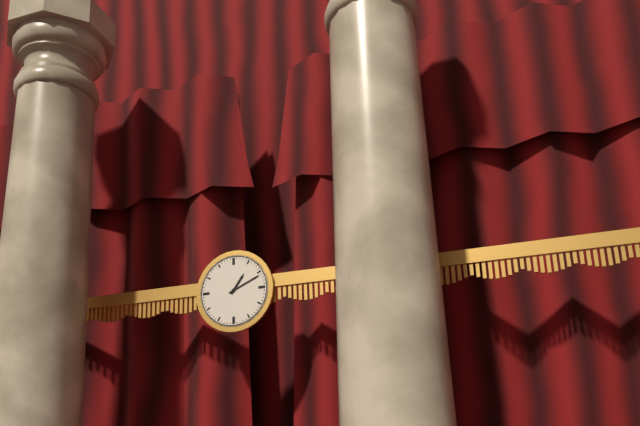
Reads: h=1 m=11
